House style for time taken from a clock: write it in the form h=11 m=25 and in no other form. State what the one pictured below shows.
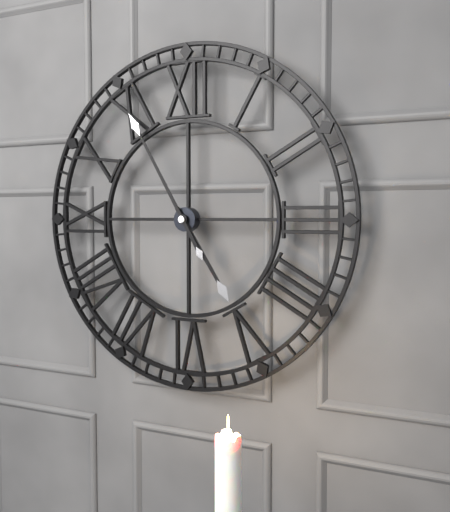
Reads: h=4 m=55
